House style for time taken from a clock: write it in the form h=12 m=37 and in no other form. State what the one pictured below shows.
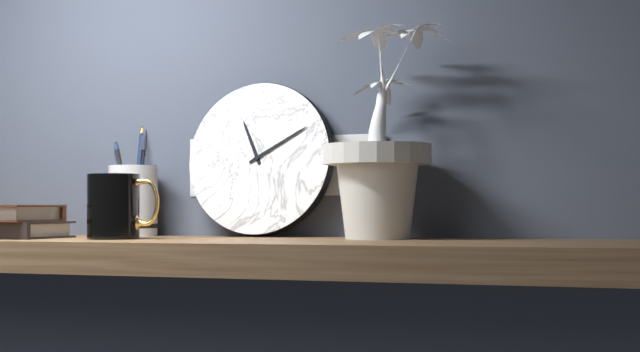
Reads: h=11 m=10
